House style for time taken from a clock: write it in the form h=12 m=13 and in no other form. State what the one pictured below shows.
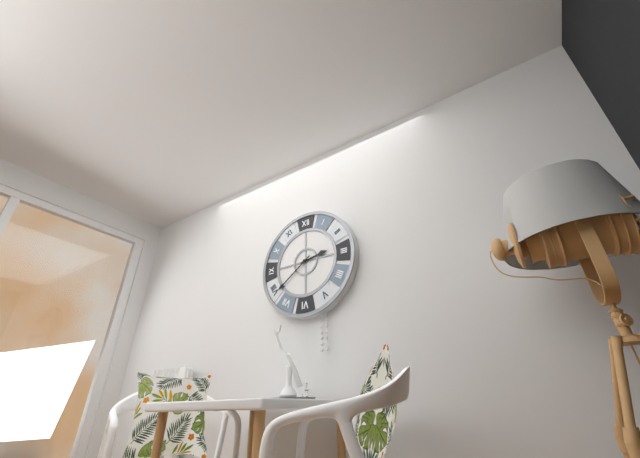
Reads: h=2 m=39
